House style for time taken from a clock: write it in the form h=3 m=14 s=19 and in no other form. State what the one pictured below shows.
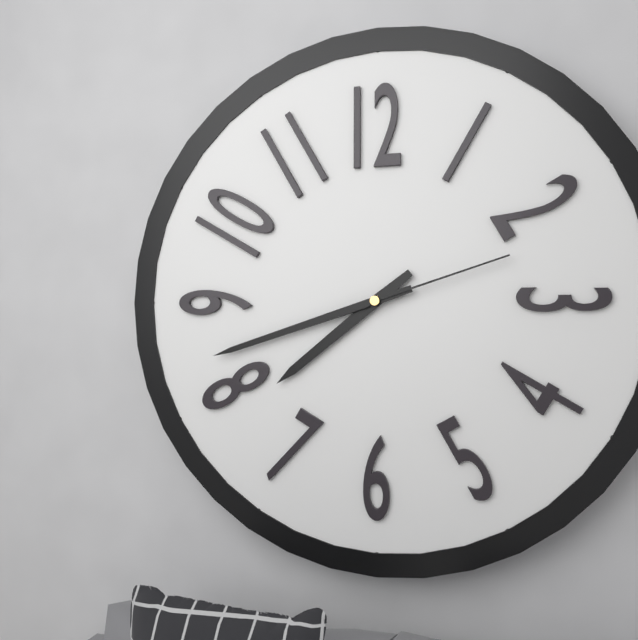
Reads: h=7 m=42 s=12
